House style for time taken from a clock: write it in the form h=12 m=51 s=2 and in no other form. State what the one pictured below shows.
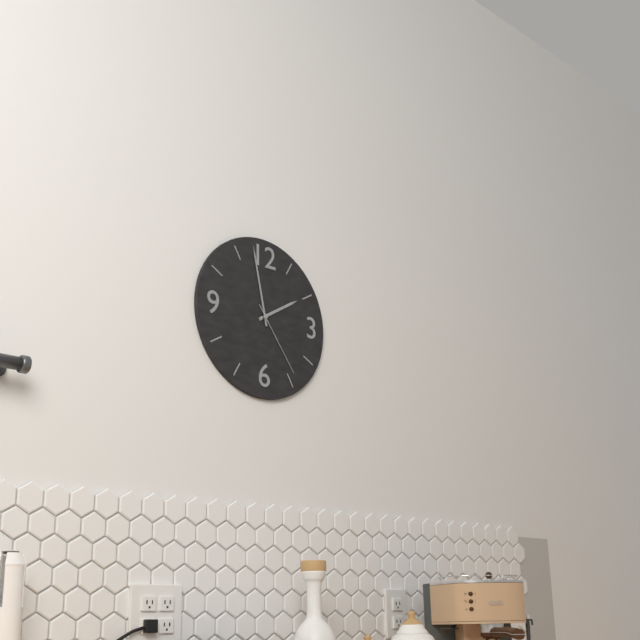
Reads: h=1 m=58 s=24
